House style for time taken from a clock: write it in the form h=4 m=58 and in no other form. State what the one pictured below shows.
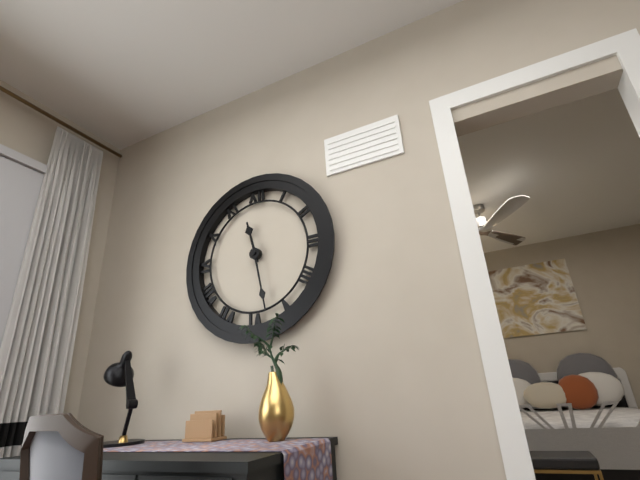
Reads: h=11 m=28
